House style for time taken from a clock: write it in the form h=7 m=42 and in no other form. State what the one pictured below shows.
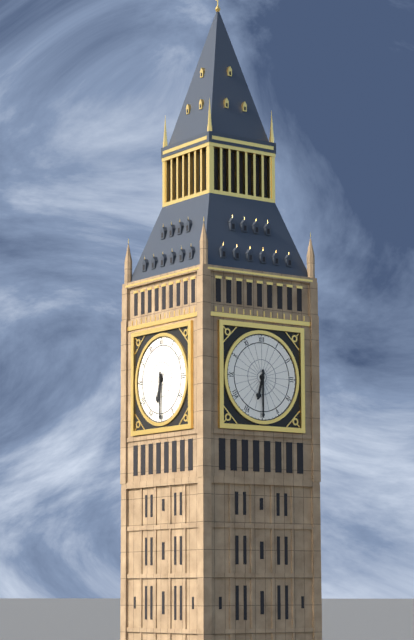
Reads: h=6 m=30
